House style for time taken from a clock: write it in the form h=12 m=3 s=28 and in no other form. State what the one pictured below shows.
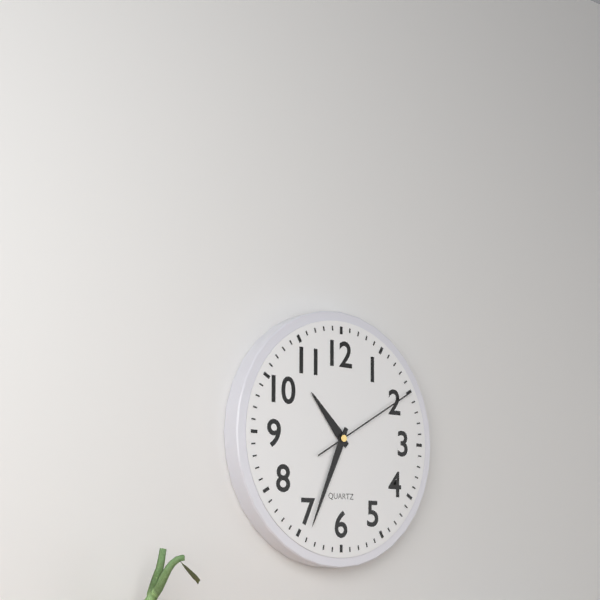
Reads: h=10 m=34 s=10
